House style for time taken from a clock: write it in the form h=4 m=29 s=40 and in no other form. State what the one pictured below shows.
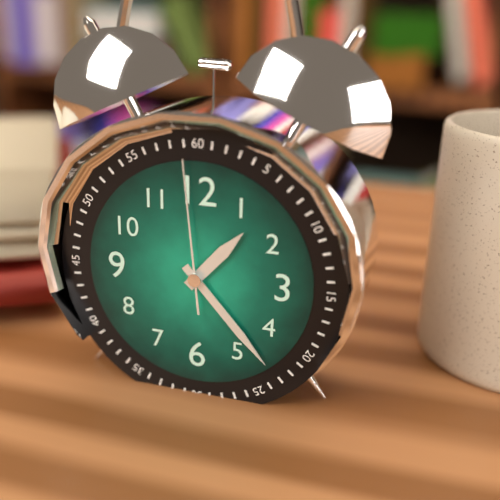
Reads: h=1 m=23 s=59
